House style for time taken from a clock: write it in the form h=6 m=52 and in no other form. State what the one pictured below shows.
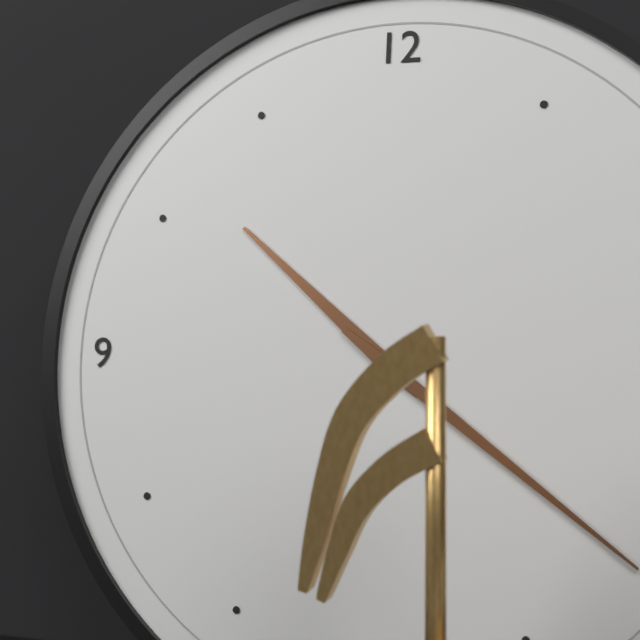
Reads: h=10 m=21
